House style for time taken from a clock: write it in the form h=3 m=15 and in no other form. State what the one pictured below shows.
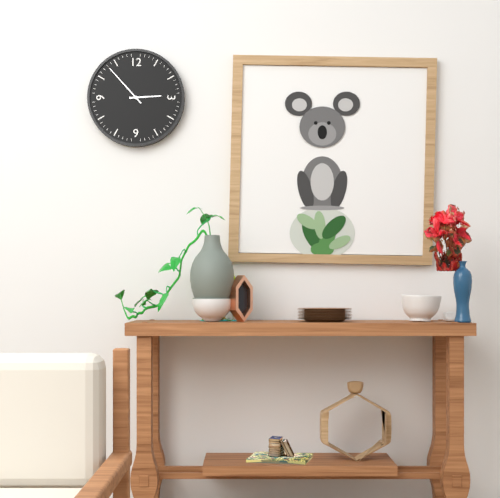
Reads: h=2 m=53
